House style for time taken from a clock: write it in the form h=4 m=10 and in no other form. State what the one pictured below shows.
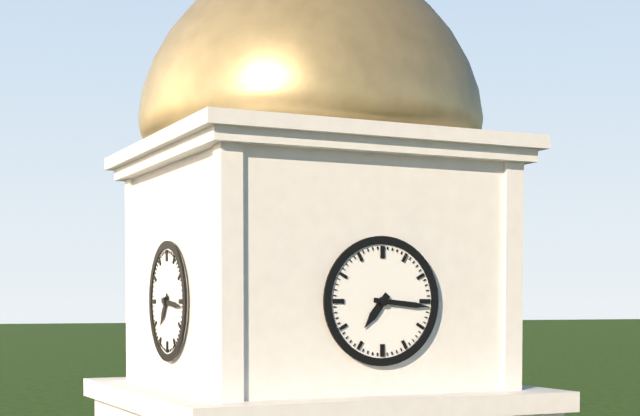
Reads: h=7 m=16
